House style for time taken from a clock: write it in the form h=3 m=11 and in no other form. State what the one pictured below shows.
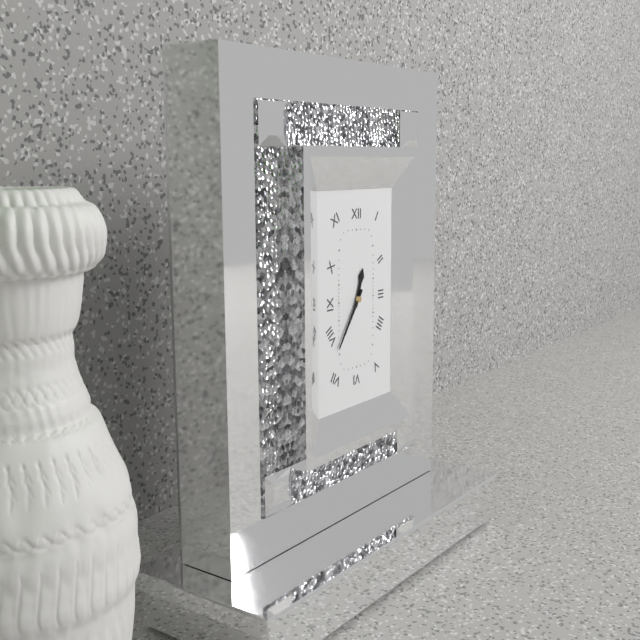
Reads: h=12 m=36
